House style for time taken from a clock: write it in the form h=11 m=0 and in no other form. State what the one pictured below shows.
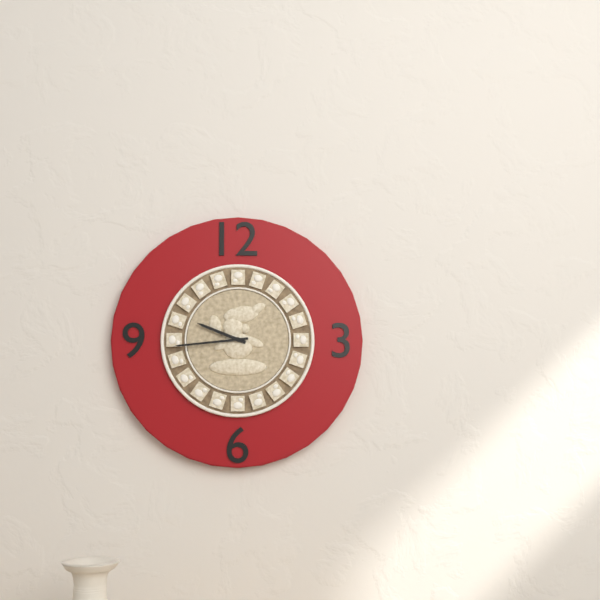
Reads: h=9 m=44
